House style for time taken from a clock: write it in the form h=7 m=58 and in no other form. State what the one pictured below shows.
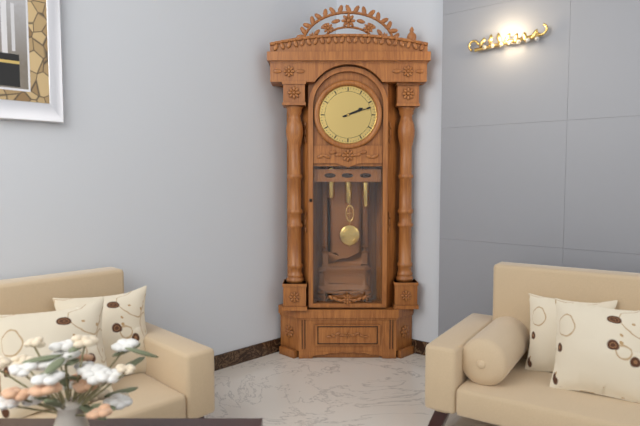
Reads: h=2 m=12
